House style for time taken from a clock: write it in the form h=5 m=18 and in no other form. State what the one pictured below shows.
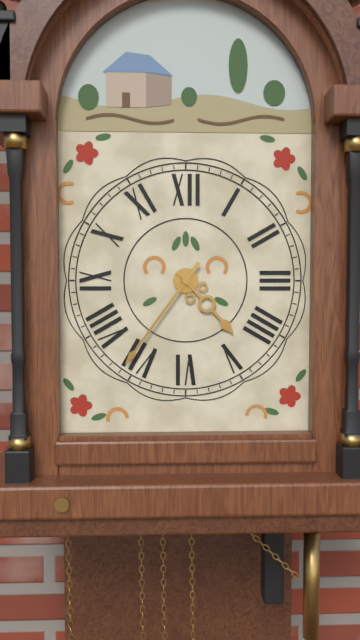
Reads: h=4 m=36
